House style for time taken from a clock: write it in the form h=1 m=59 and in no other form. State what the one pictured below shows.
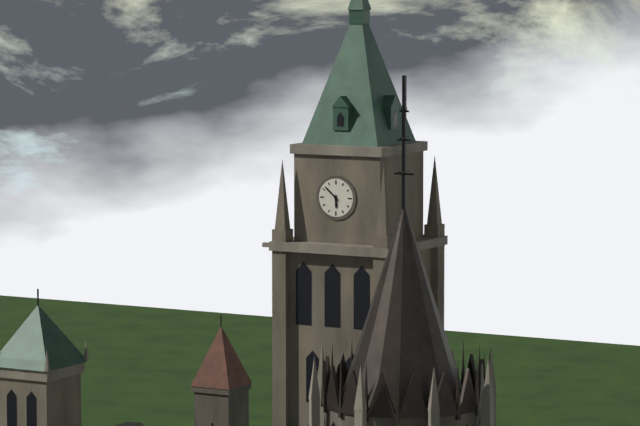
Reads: h=5 m=52
